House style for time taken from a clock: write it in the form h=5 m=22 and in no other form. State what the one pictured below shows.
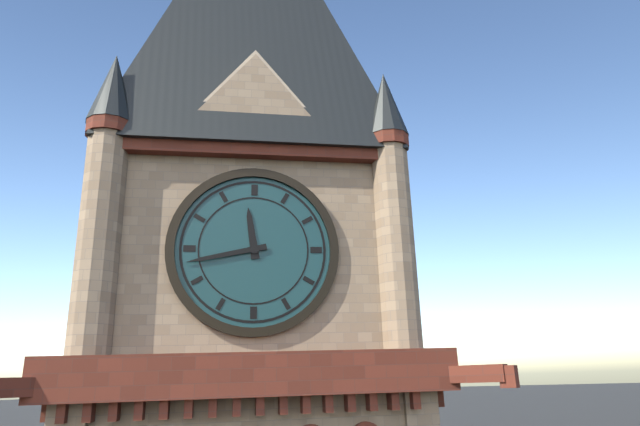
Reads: h=11 m=43
